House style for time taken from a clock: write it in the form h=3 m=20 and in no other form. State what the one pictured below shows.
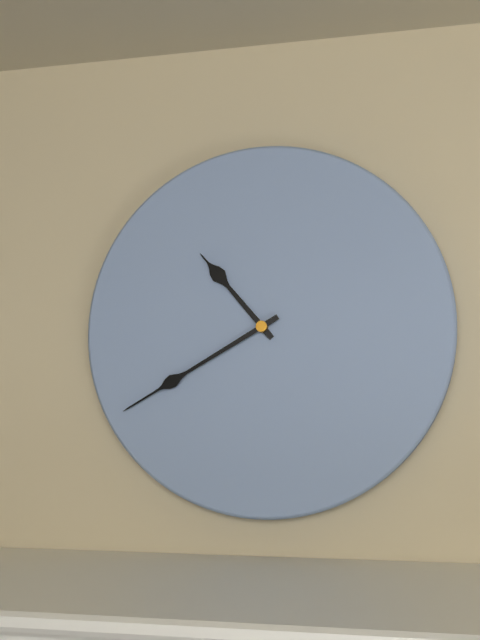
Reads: h=10 m=40
